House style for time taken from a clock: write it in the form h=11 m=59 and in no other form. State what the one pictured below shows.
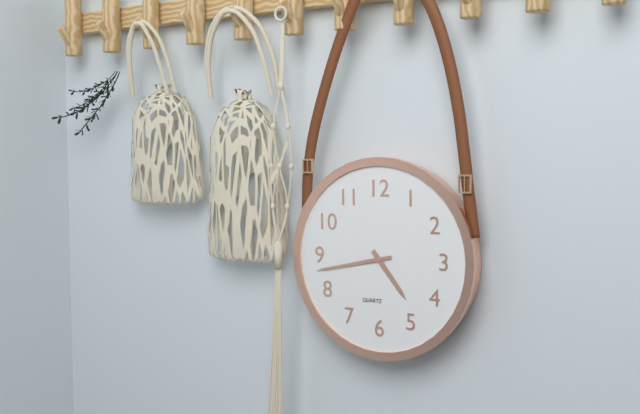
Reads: h=4 m=43
